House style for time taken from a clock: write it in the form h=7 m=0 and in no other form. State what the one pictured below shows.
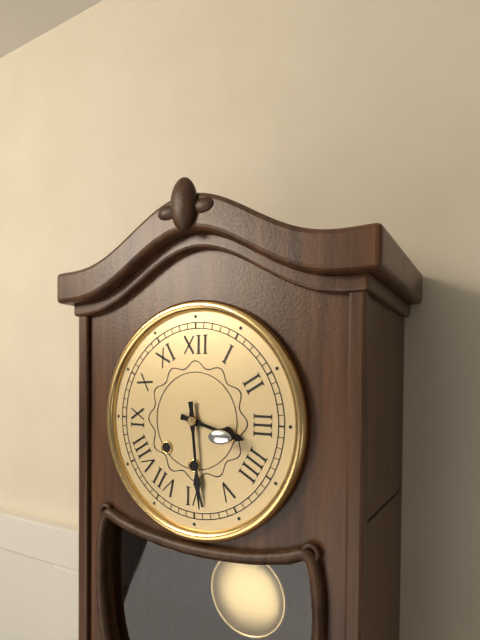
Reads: h=3 m=29
